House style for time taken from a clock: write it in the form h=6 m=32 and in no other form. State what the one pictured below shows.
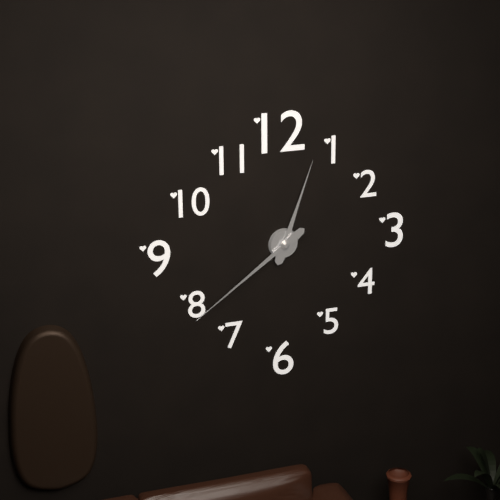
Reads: h=12 m=39
